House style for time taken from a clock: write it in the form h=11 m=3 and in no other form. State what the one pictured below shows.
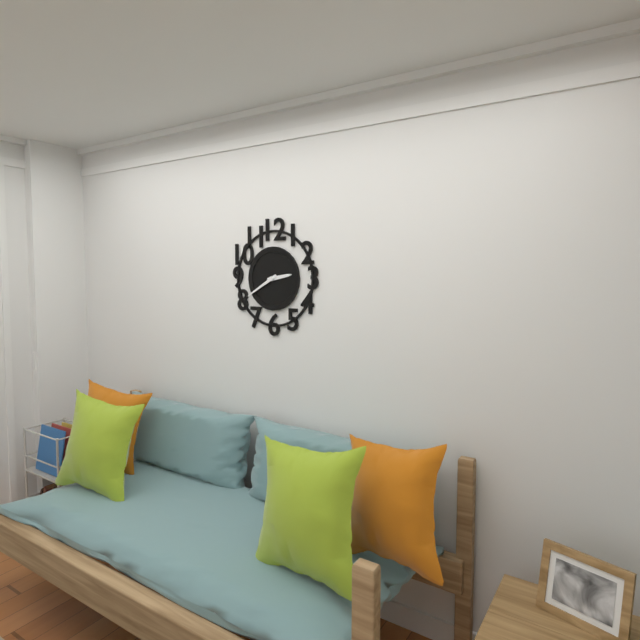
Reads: h=2 m=40
